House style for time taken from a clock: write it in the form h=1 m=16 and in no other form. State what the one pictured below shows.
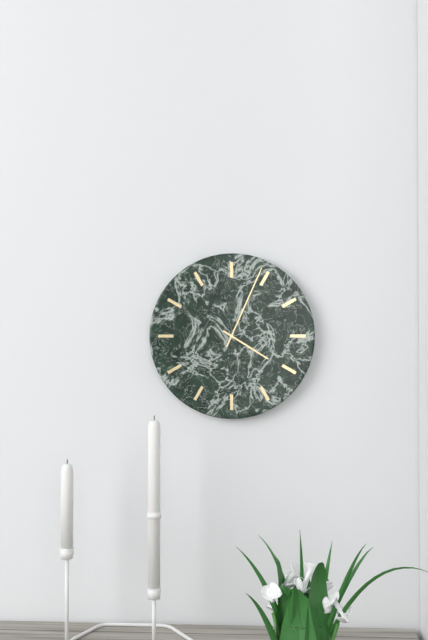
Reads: h=4 m=4
